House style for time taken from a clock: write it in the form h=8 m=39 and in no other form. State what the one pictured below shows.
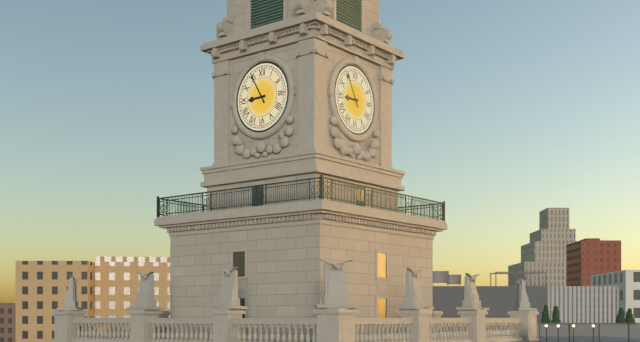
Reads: h=8 m=55
